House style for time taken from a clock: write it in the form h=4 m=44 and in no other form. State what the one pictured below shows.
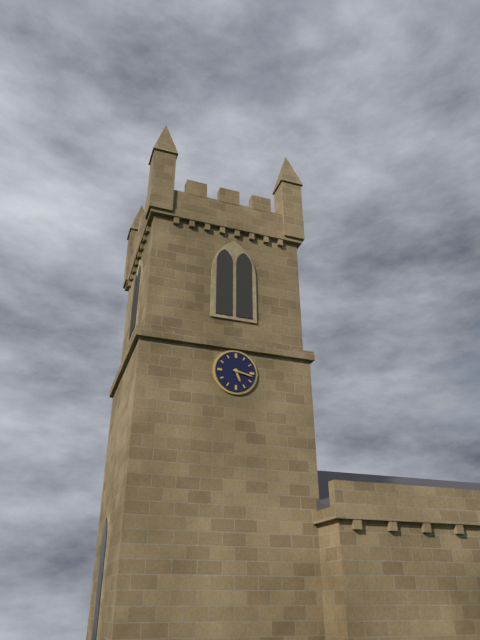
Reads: h=5 m=17
